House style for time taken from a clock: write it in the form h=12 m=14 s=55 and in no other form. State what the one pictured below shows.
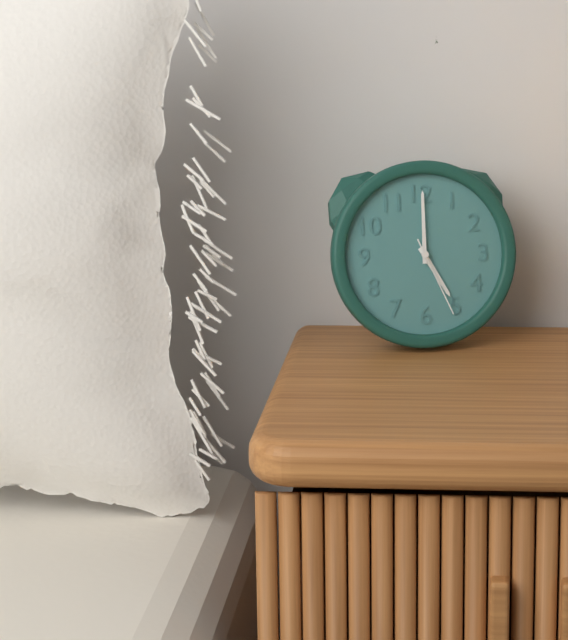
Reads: h=5 m=0 s=26
